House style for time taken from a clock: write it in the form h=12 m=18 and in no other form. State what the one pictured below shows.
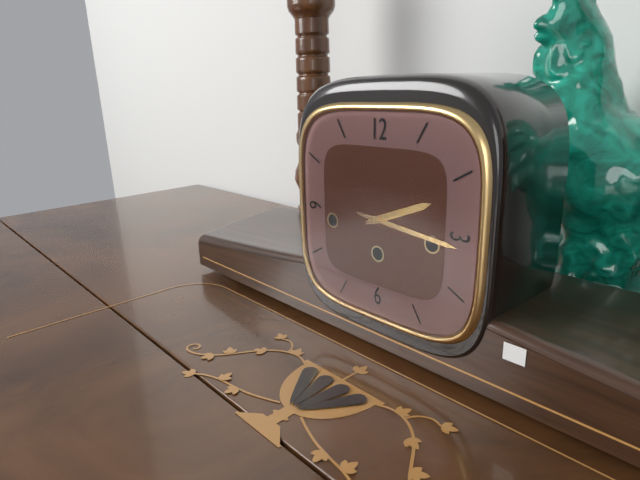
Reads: h=2 m=16
